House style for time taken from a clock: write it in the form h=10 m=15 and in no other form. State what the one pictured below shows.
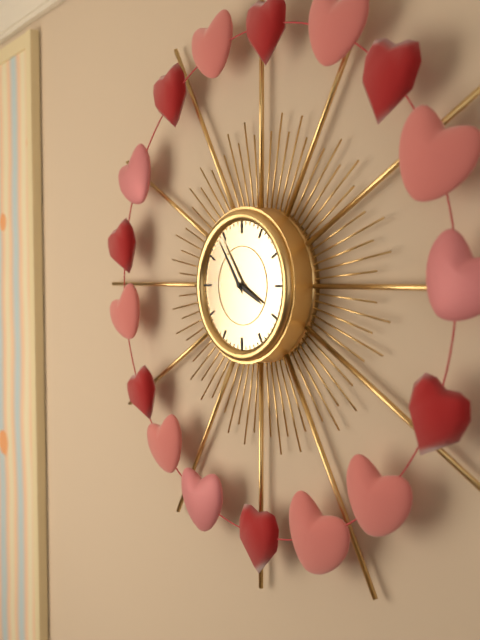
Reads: h=3 m=54
